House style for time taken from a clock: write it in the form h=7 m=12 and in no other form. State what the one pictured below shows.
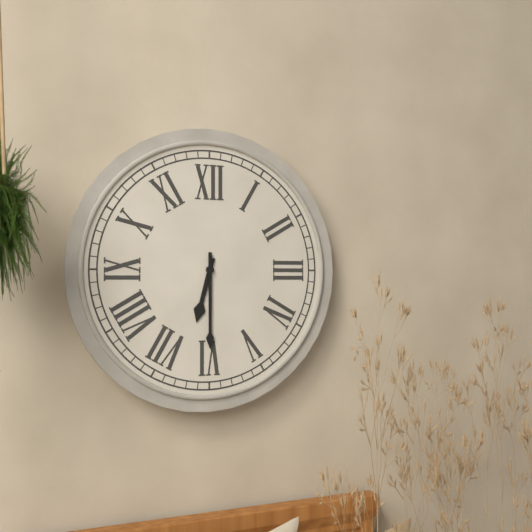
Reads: h=6 m=30
